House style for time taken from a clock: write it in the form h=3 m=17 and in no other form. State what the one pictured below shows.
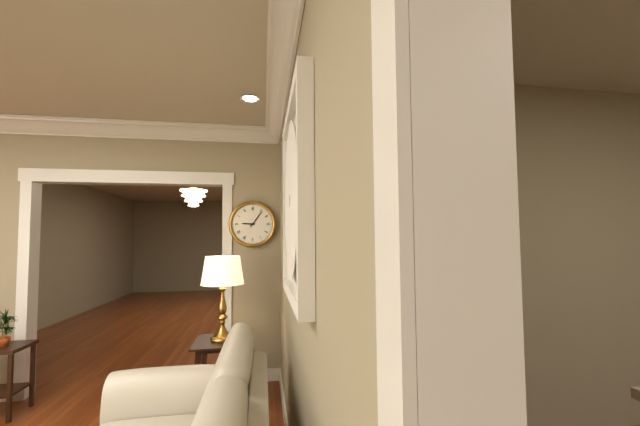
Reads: h=9 m=6
